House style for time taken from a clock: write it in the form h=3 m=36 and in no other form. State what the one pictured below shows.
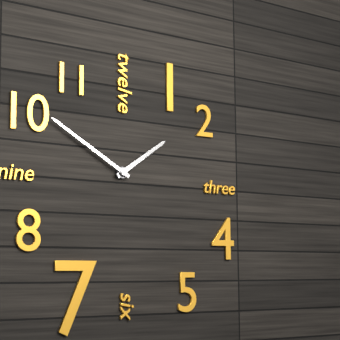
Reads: h=1 m=50
